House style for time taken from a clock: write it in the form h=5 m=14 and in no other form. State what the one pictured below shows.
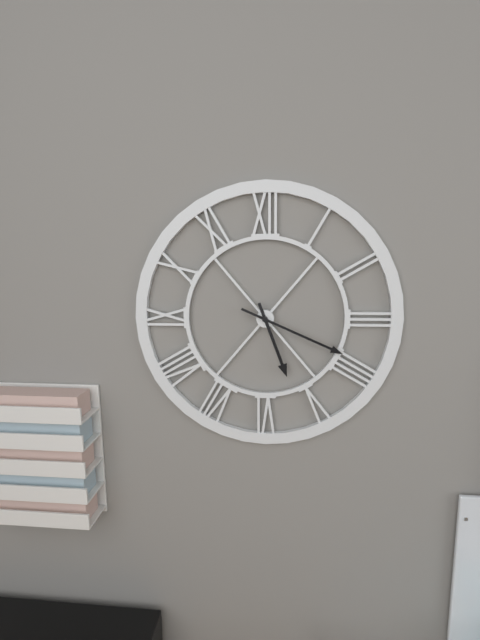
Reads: h=5 m=19
